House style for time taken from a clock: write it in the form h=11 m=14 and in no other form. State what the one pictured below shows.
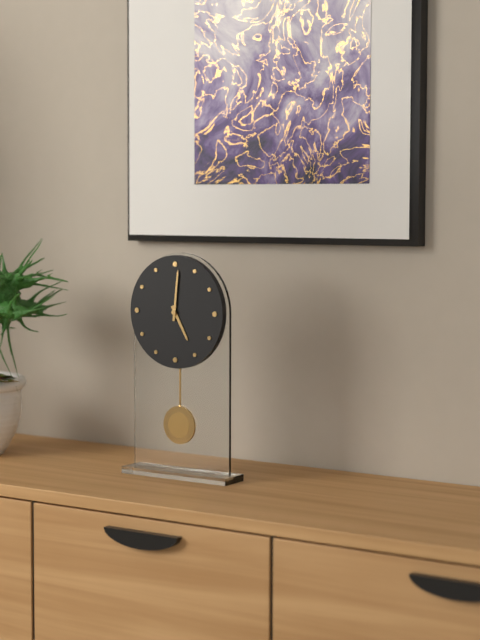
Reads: h=5 m=1
